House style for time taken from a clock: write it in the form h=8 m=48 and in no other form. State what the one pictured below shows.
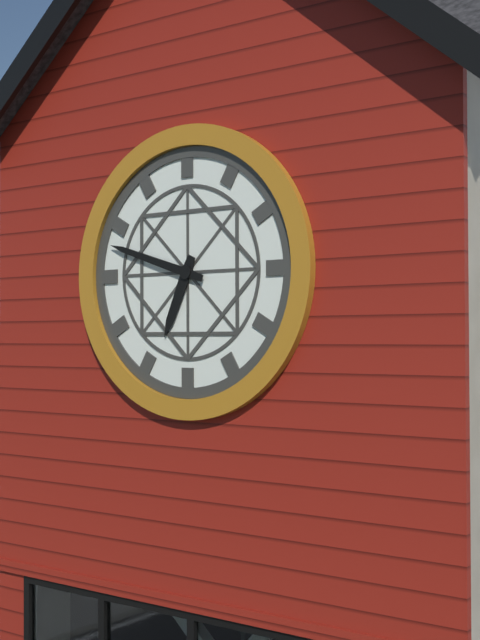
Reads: h=6 m=48
